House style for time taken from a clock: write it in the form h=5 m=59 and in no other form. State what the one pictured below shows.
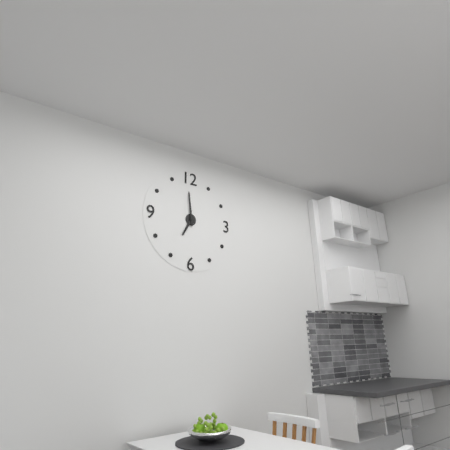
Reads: h=6 m=59
